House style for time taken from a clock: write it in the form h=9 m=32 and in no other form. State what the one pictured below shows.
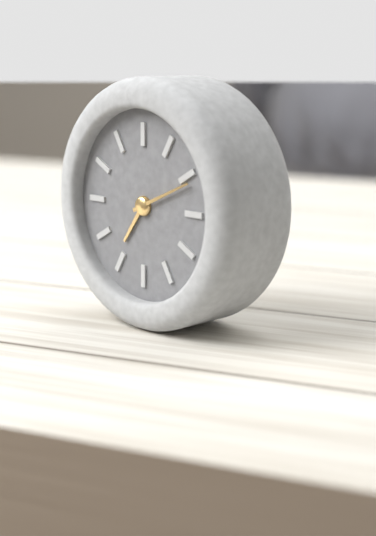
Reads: h=7 m=11
